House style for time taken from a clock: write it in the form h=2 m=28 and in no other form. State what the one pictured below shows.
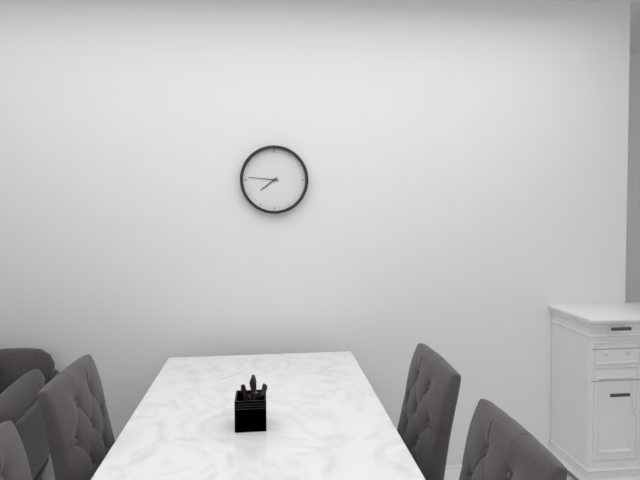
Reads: h=7 m=46
